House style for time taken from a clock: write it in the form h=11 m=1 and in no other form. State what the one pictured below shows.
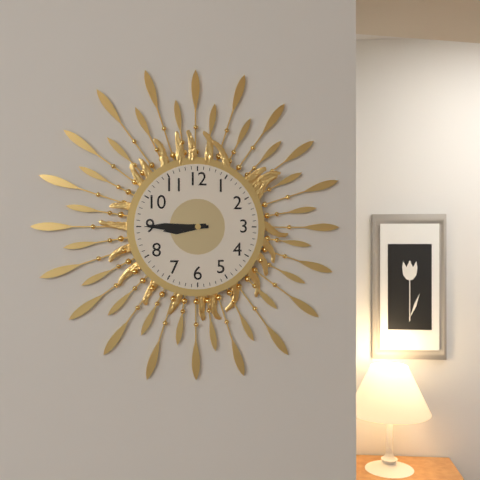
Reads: h=8 m=45
